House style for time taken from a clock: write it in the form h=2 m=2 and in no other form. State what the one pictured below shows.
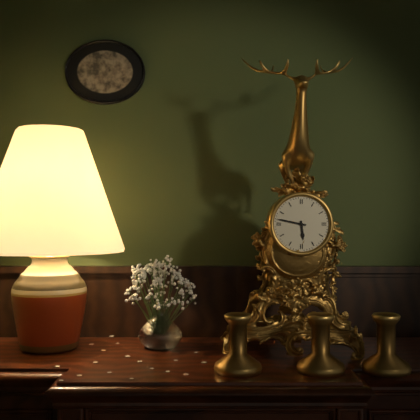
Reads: h=5 m=47
